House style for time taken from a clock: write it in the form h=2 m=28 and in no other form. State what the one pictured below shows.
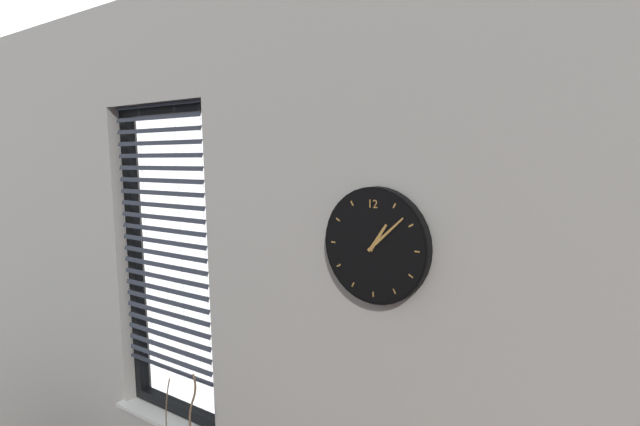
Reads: h=1 m=8
